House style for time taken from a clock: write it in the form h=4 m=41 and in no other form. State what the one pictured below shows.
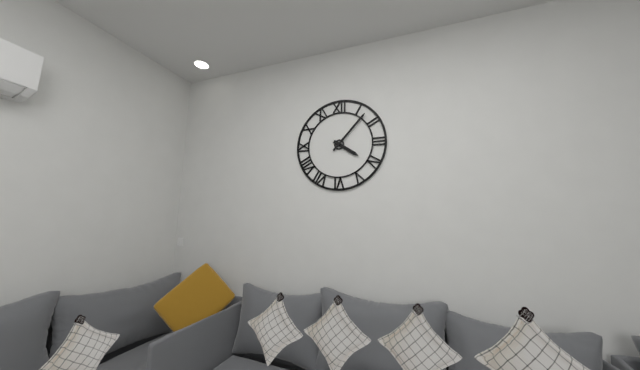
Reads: h=4 m=7
